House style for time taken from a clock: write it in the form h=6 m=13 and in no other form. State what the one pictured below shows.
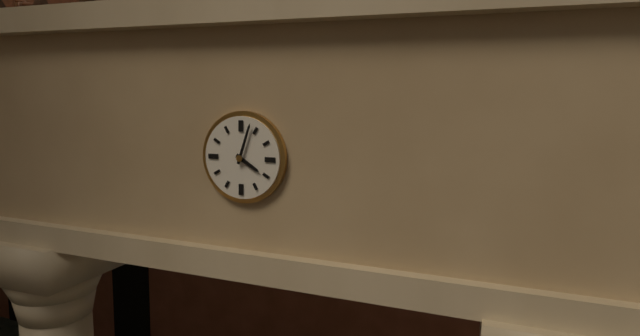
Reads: h=4 m=3
